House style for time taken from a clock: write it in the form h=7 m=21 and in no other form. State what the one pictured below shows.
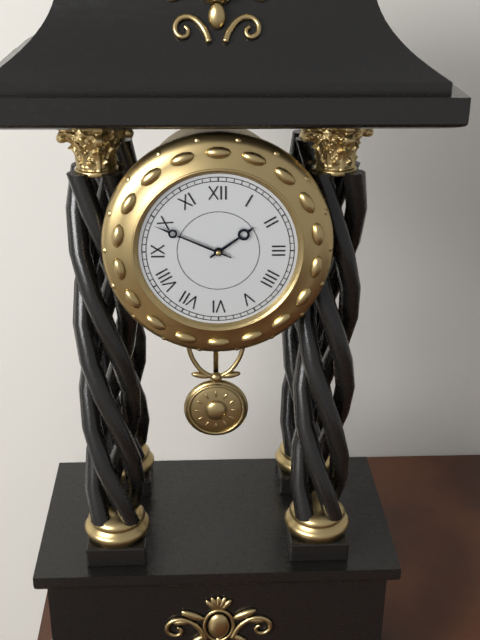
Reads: h=1 m=49
